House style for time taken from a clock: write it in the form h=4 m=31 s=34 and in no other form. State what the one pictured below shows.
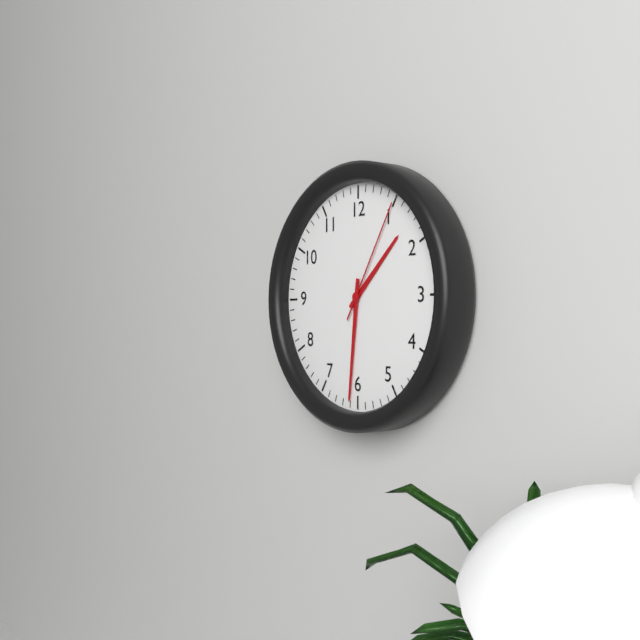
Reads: h=1 m=31 s=5
